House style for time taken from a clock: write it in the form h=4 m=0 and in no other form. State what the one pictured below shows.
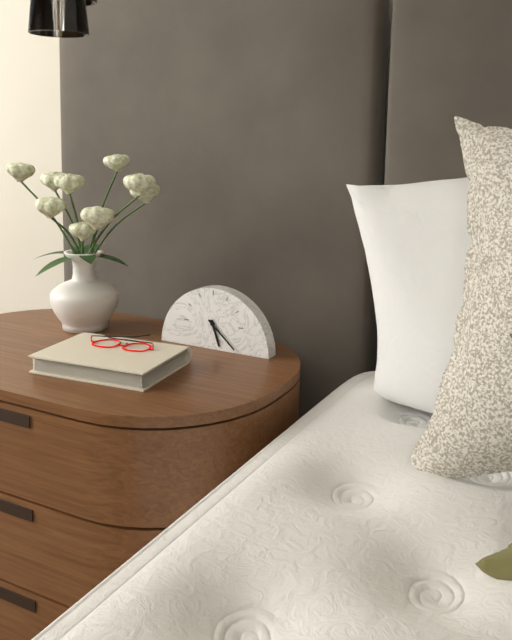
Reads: h=5 m=22
